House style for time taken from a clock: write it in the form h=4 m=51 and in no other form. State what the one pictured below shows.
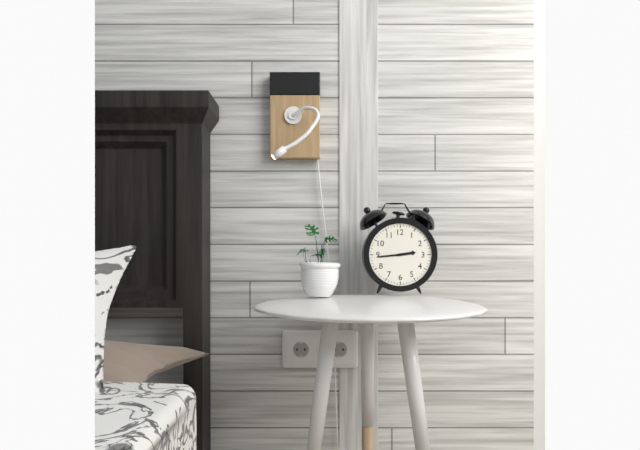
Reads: h=2 m=44
